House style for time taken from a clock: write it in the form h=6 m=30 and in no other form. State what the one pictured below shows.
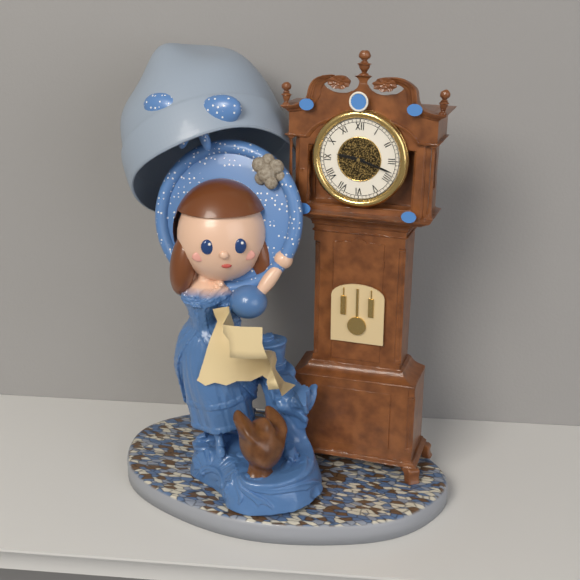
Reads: h=9 m=18
